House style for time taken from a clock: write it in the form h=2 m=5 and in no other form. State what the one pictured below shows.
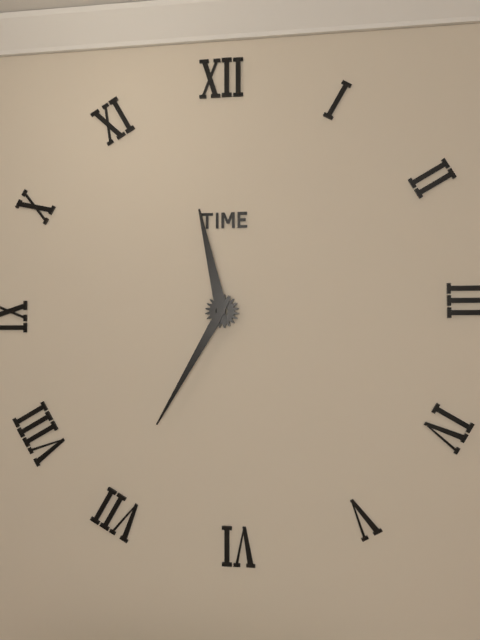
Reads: h=11 m=35
